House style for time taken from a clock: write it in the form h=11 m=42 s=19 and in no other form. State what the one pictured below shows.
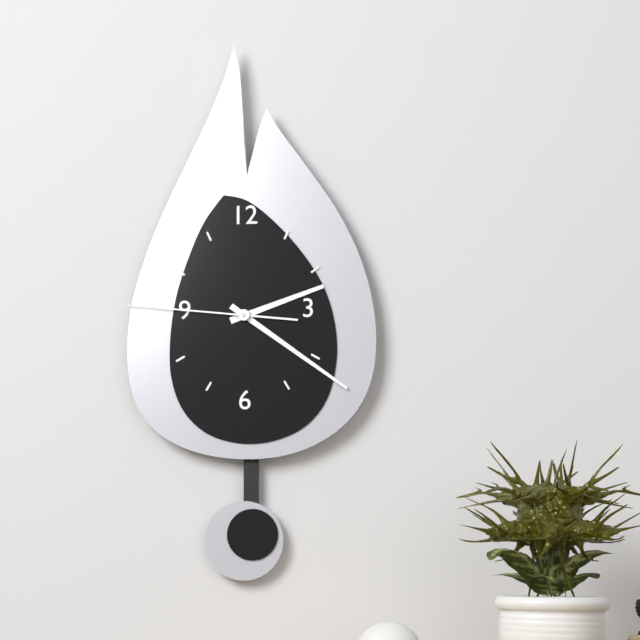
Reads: h=2 m=21 s=46
